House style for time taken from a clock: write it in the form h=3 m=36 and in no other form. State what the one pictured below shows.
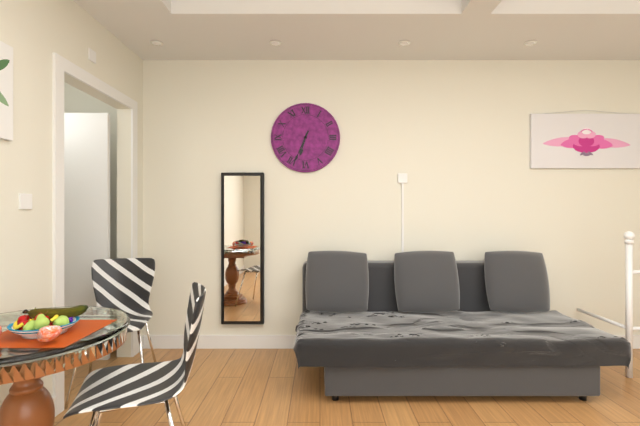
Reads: h=6 m=34
